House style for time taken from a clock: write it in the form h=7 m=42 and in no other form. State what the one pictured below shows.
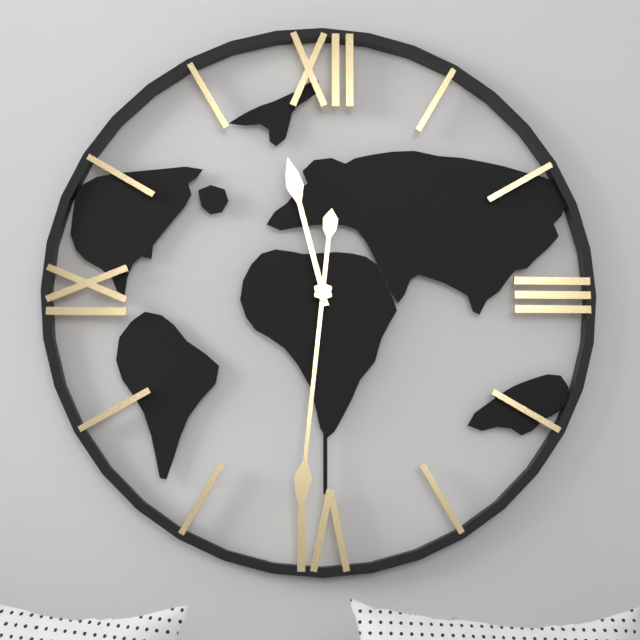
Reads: h=11 m=31
